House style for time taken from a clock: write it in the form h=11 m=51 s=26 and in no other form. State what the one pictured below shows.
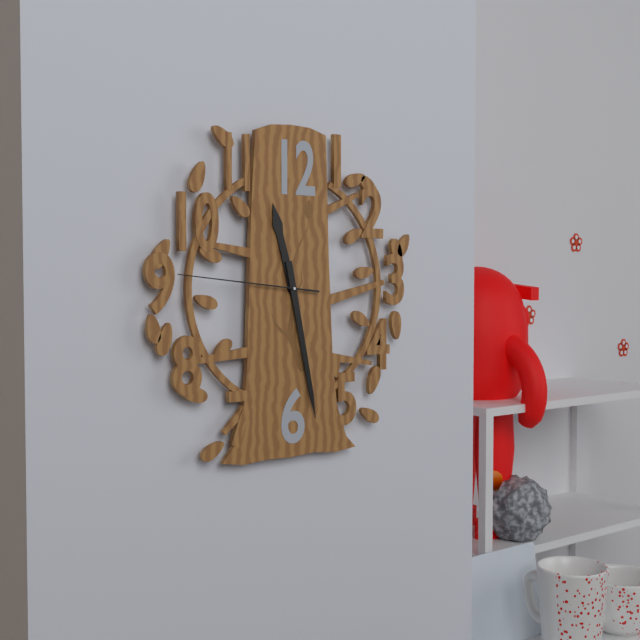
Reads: h=11 m=28 s=46
